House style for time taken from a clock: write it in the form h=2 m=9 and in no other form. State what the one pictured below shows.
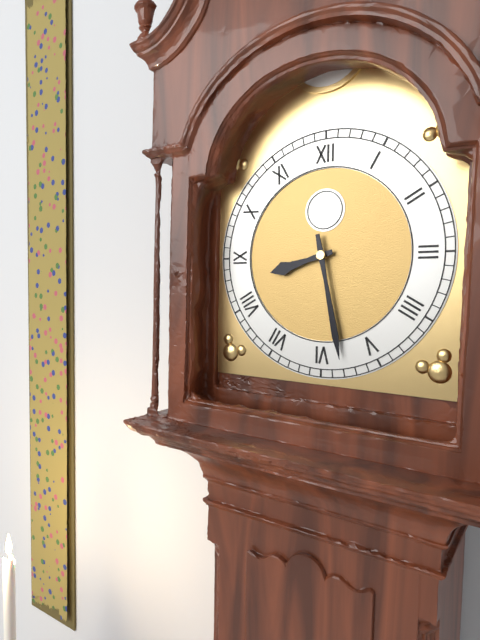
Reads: h=8 m=28
